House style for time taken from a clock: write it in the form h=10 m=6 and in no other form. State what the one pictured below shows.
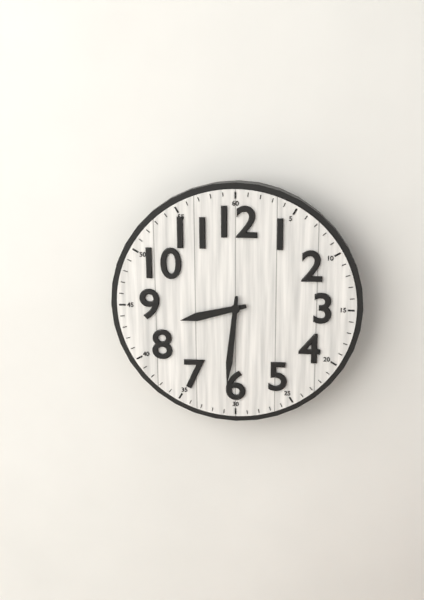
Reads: h=8 m=31
